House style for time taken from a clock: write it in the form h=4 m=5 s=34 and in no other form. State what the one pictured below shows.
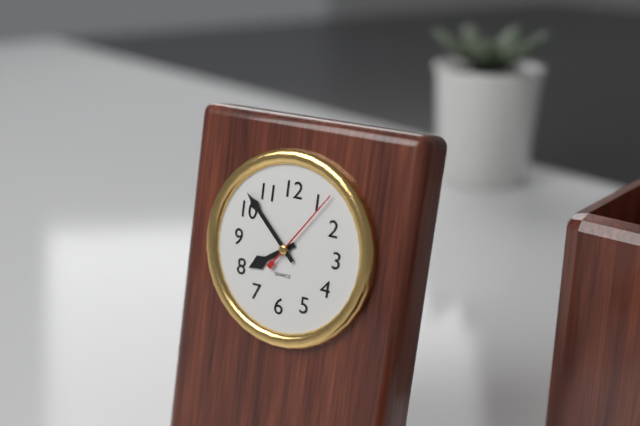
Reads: h=7 m=52 s=6
